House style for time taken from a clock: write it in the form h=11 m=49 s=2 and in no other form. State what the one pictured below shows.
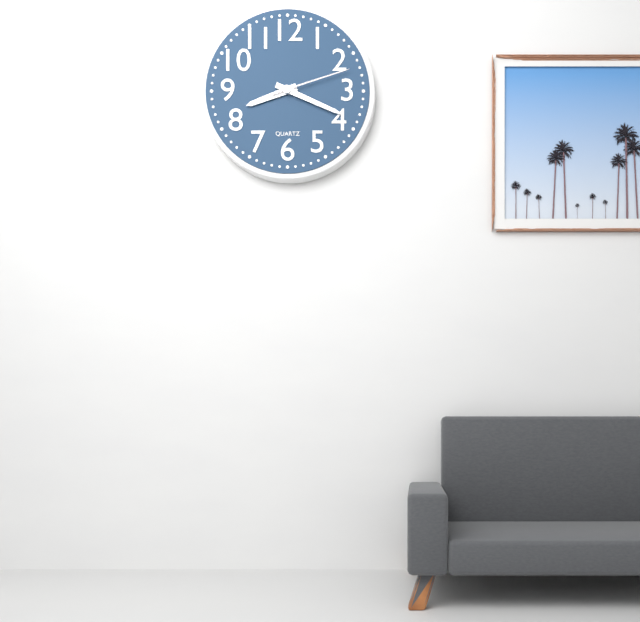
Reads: h=8 m=19 s=12
